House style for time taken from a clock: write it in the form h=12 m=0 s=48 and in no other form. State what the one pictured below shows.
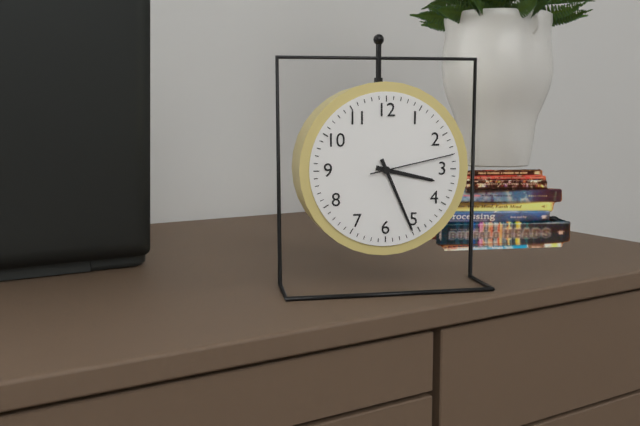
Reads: h=3 m=26 s=13
